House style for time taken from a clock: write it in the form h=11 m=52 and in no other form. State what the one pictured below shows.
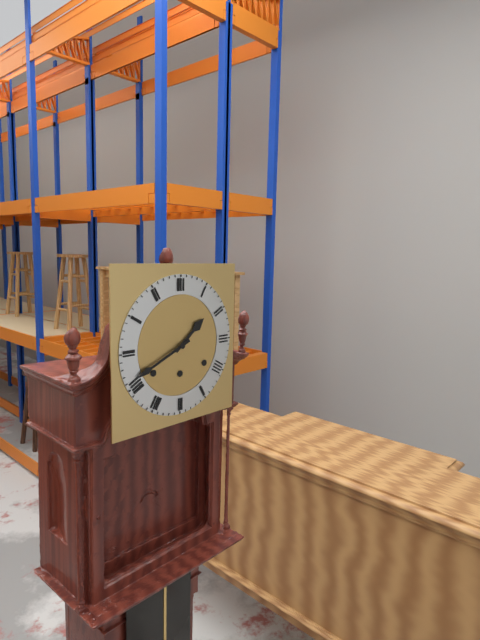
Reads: h=1 m=41
